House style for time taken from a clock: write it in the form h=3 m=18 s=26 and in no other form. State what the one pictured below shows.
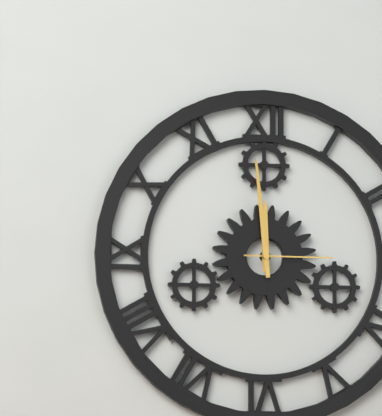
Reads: h=11 m=59 s=15
